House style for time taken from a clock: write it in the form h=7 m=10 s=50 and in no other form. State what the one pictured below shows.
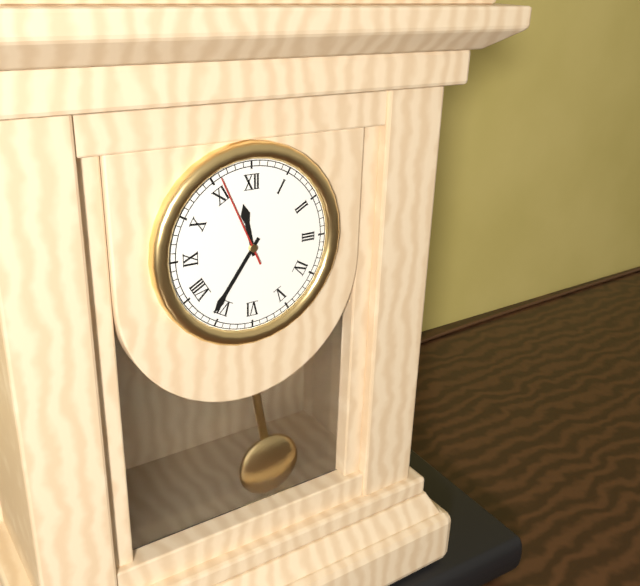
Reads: h=11 m=36 s=56
